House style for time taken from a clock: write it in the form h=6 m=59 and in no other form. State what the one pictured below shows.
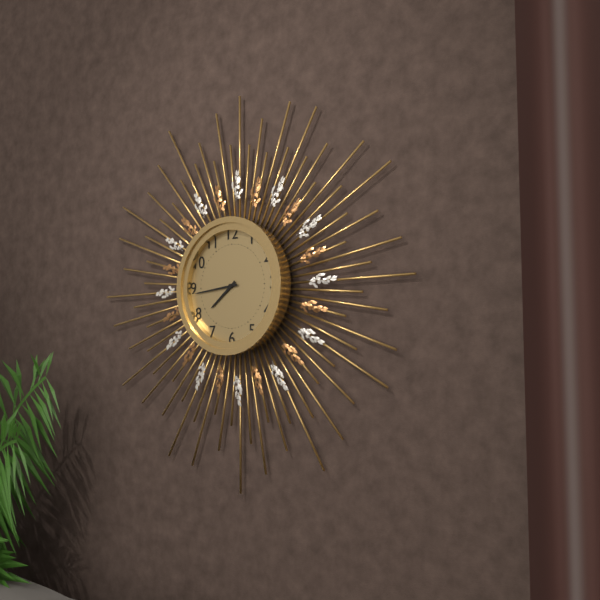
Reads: h=7 m=44
